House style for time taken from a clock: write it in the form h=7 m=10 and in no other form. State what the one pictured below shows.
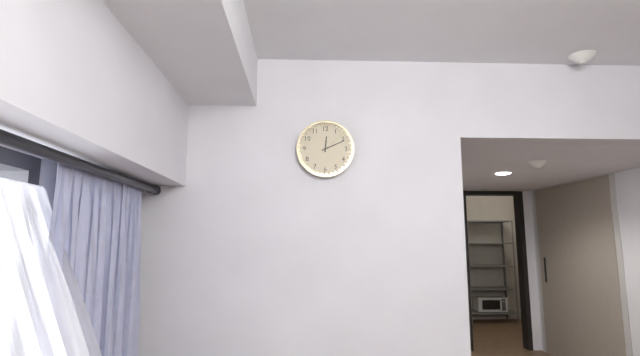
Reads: h=12 m=11
